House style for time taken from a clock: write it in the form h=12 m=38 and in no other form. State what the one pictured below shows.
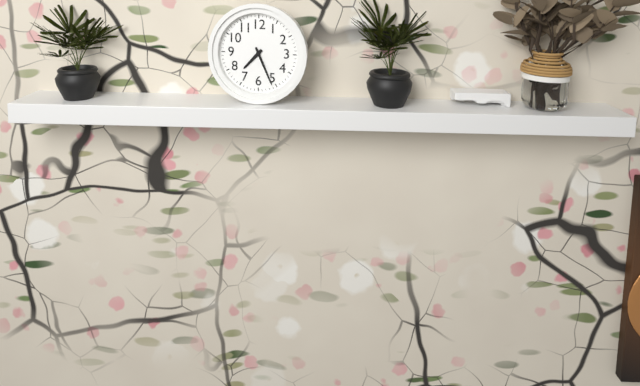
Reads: h=7 m=26
